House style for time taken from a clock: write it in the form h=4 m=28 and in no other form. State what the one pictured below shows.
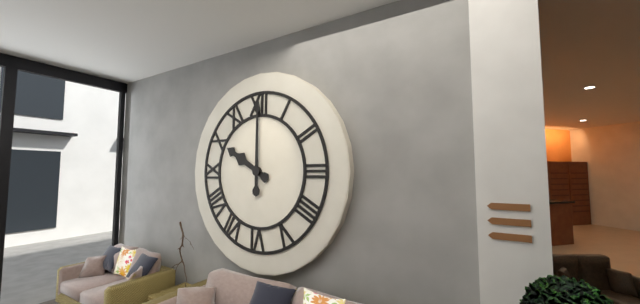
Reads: h=10 m=0
